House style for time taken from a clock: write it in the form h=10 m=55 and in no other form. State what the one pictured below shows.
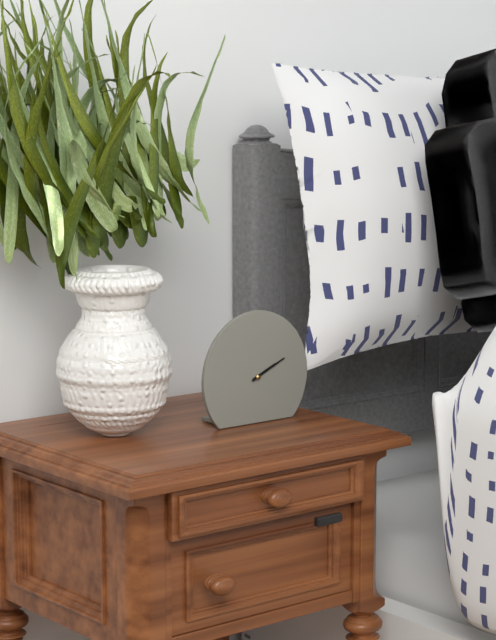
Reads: h=2 m=11
